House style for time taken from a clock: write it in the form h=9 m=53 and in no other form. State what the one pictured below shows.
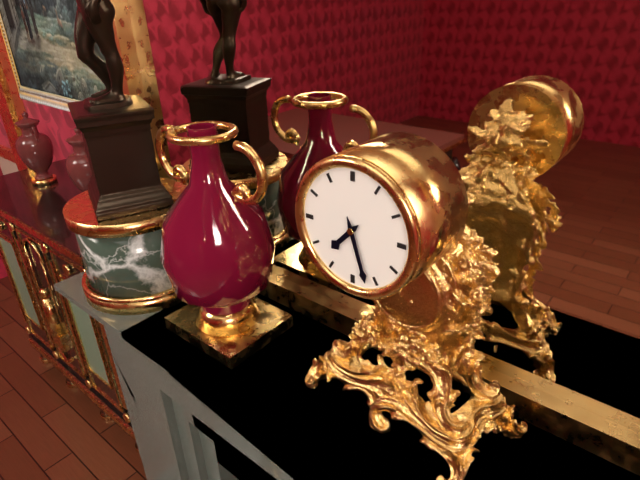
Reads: h=7 m=27
